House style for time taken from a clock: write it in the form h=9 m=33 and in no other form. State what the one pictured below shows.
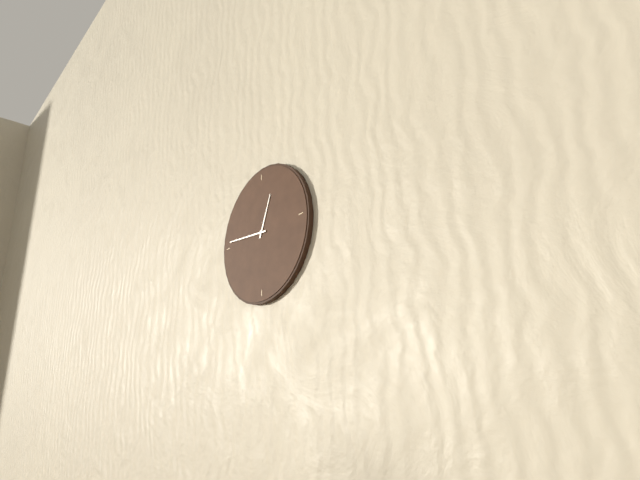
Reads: h=12 m=46
